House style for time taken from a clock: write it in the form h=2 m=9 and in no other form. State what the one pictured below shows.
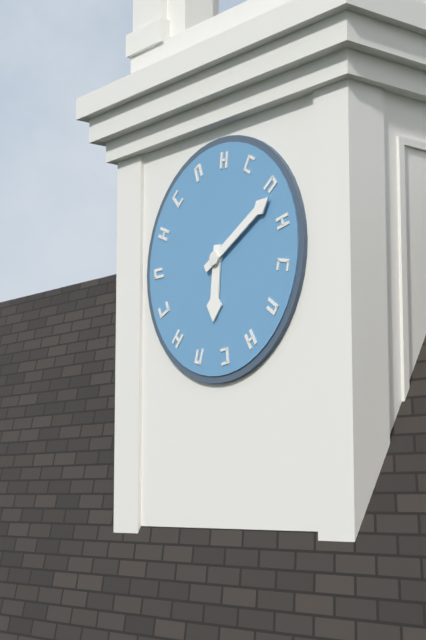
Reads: h=6 m=10
